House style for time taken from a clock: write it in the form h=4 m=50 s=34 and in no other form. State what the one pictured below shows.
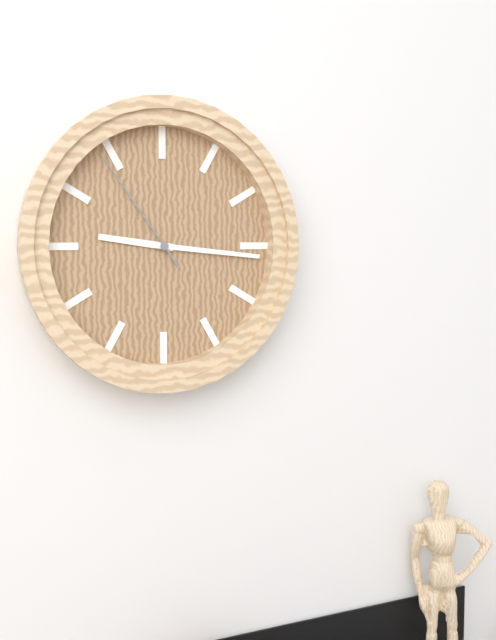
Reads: h=9 m=16 s=54
